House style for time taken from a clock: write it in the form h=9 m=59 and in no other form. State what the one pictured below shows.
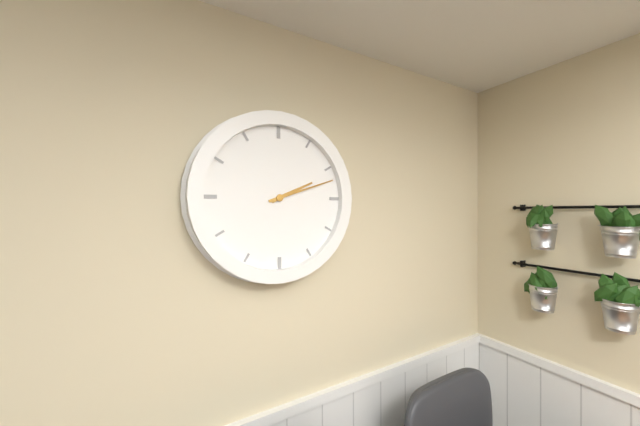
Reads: h=2 m=12
